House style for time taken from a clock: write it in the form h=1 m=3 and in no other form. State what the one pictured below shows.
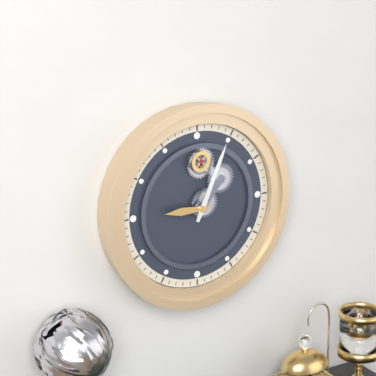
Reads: h=9 m=4
